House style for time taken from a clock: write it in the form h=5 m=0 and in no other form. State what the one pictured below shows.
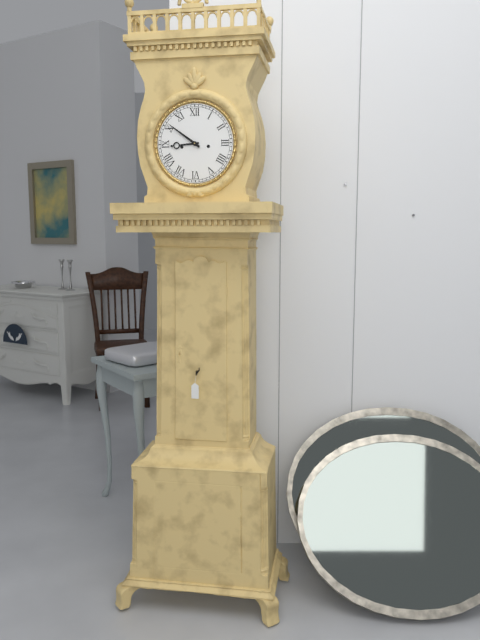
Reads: h=8 m=51
